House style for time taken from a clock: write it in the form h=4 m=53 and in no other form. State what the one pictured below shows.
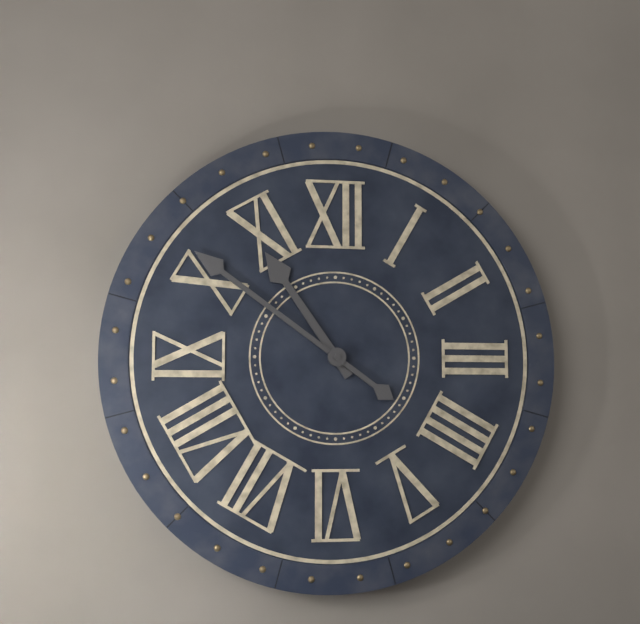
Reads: h=10 m=51
